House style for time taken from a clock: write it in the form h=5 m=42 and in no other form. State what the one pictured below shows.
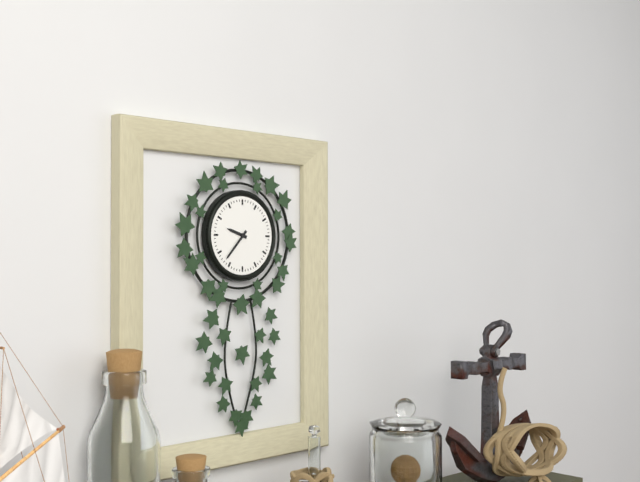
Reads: h=9 m=37
